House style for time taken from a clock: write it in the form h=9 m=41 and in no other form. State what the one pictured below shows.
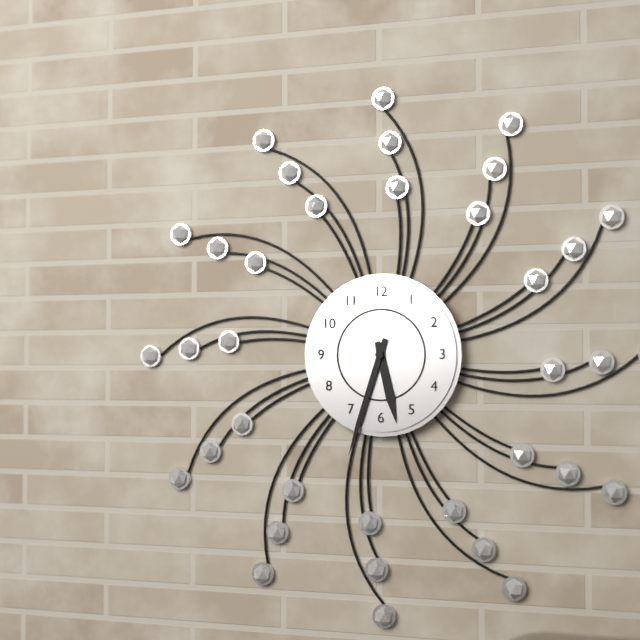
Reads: h=5 m=33
